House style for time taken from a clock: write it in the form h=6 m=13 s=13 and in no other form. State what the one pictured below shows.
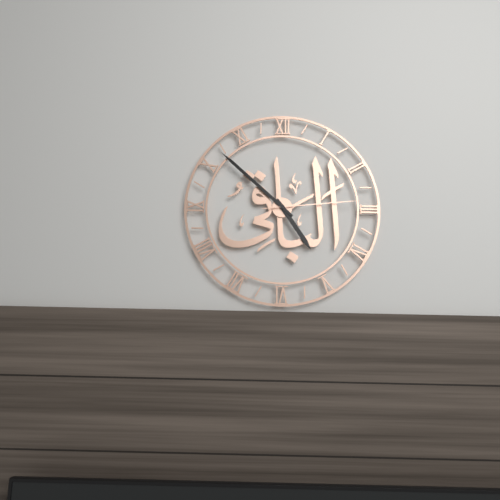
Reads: h=4 m=52 s=14
